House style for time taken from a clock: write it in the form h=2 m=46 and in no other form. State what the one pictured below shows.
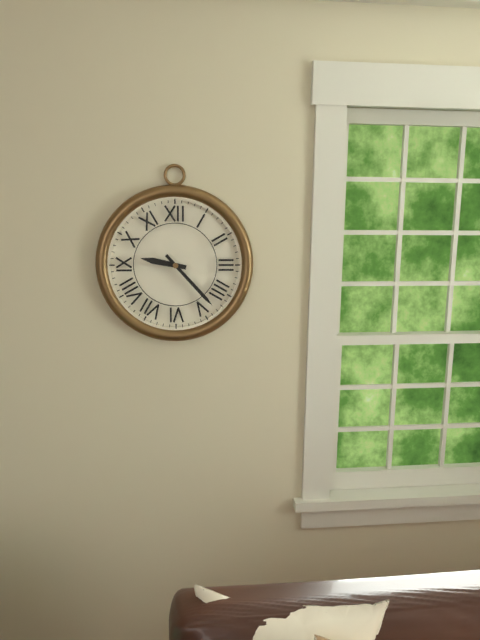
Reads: h=9 m=23
